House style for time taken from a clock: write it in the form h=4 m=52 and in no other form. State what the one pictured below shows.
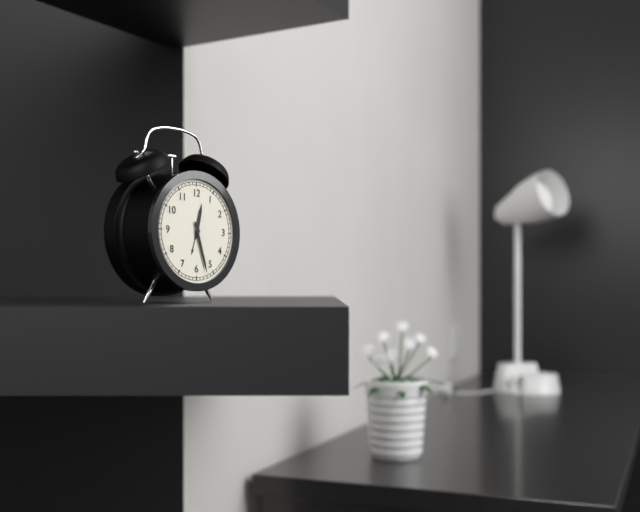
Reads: h=12 m=27
